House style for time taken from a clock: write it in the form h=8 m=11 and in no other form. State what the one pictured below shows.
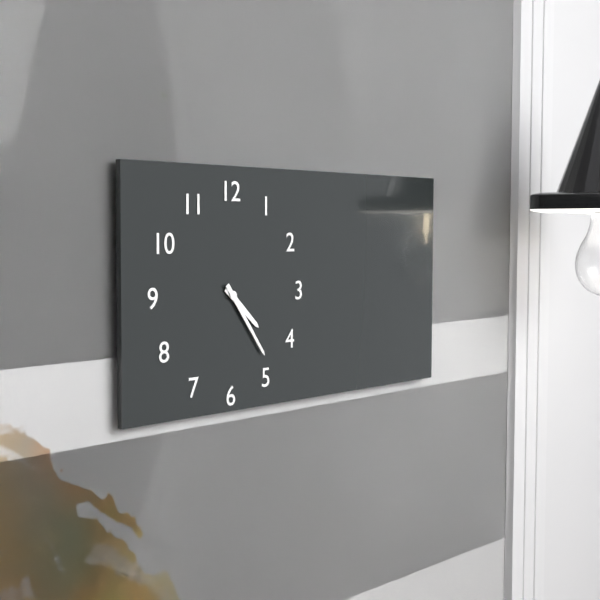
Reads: h=4 m=24
